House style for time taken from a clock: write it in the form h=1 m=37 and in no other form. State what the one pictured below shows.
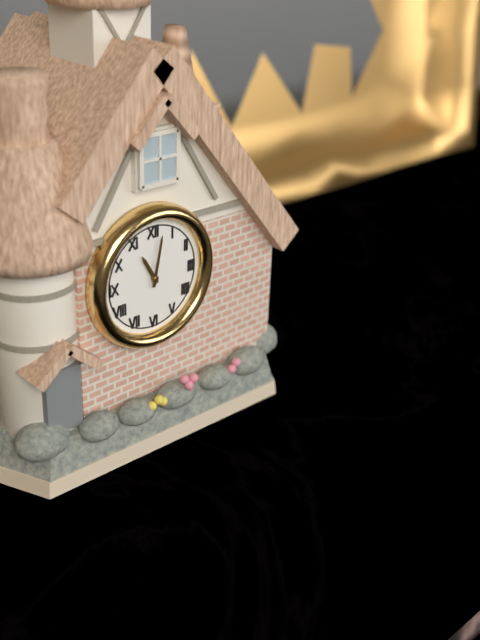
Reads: h=11 m=2
